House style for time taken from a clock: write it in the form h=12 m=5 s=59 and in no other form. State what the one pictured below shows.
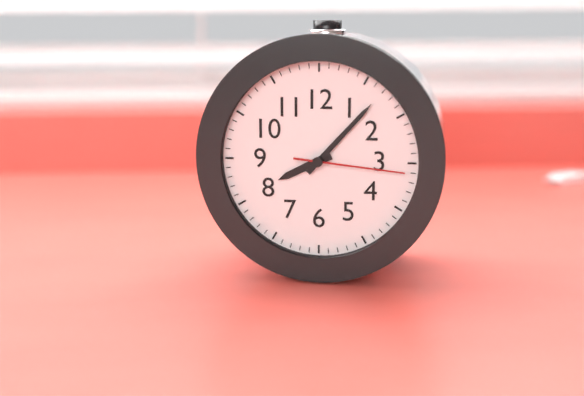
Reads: h=8 m=7 s=16
